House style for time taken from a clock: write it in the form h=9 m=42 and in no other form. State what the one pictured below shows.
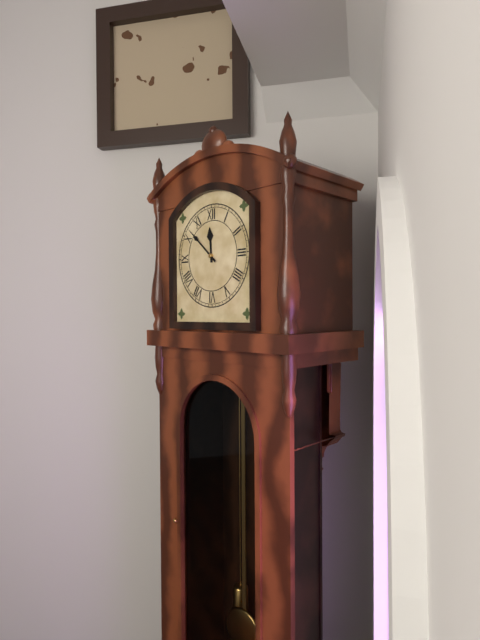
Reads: h=11 m=52
